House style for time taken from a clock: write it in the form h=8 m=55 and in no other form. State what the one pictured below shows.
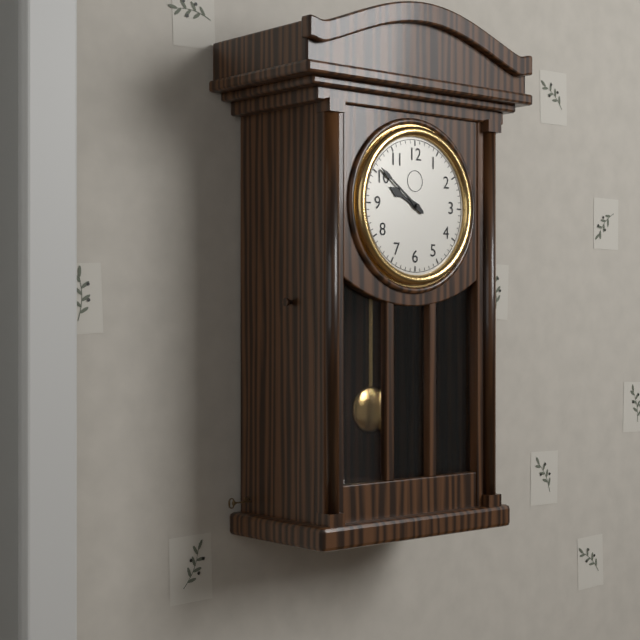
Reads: h=9 m=51
